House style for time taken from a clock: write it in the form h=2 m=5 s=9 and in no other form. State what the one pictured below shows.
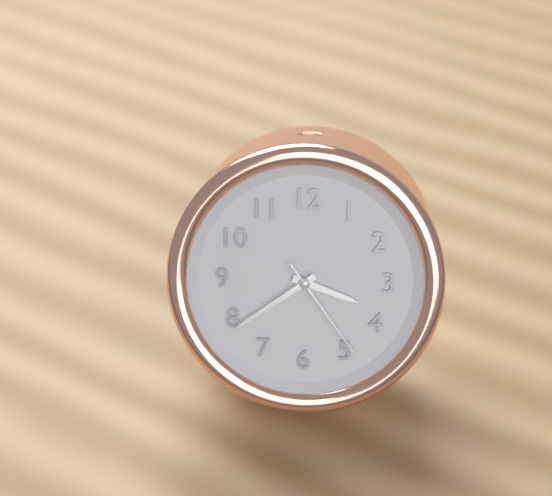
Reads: h=3 m=39 s=24
